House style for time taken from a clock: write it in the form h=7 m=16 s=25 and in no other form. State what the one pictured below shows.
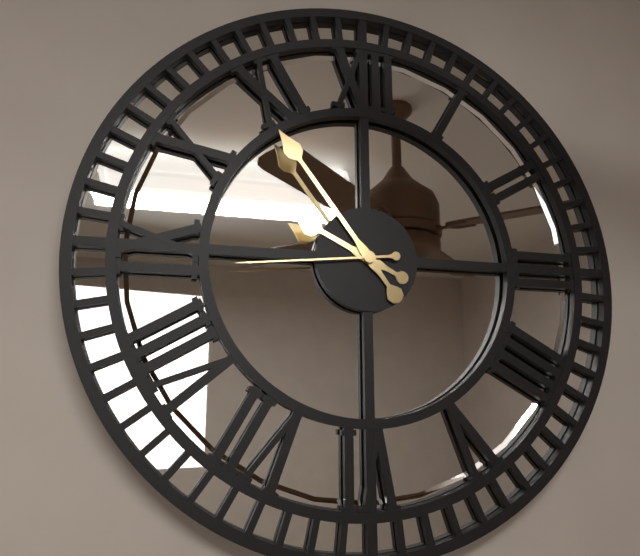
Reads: h=9 m=54 s=44
